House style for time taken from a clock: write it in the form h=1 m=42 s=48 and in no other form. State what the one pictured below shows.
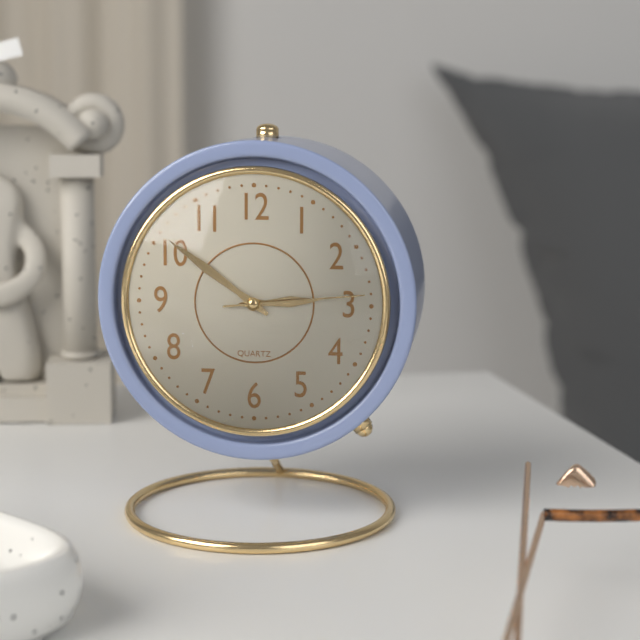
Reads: h=2 m=51 s=14
